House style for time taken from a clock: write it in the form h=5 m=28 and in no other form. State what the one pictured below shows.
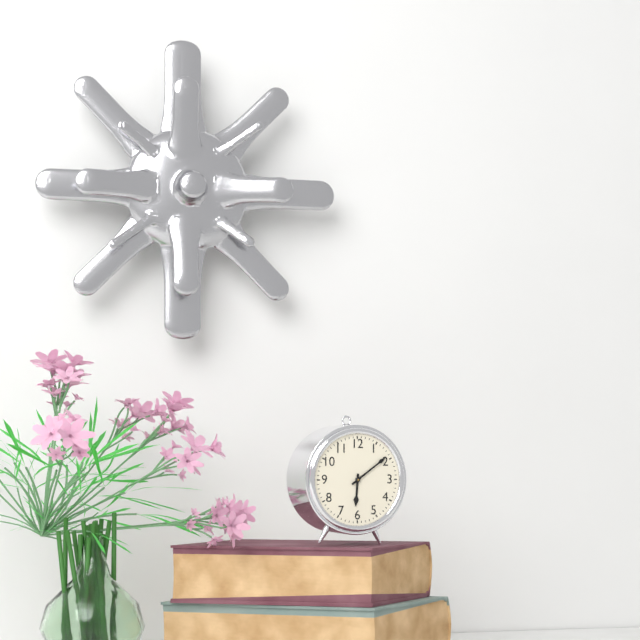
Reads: h=6 m=9
